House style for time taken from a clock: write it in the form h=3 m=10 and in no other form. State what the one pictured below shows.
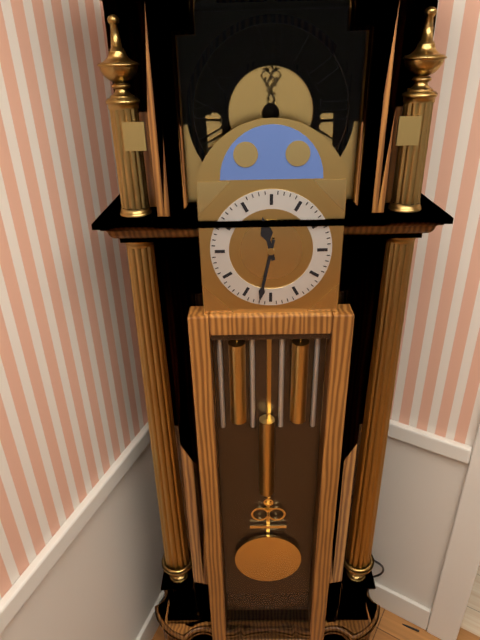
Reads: h=11 m=32
